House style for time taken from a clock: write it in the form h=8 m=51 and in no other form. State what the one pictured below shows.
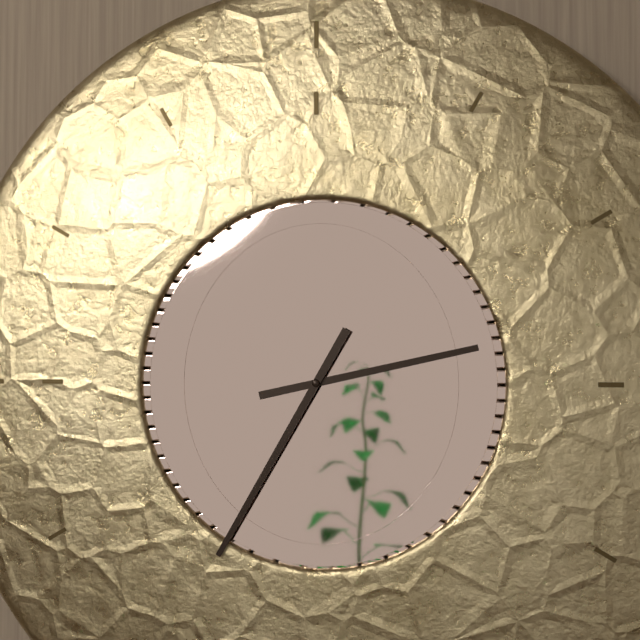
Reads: h=2 m=35
